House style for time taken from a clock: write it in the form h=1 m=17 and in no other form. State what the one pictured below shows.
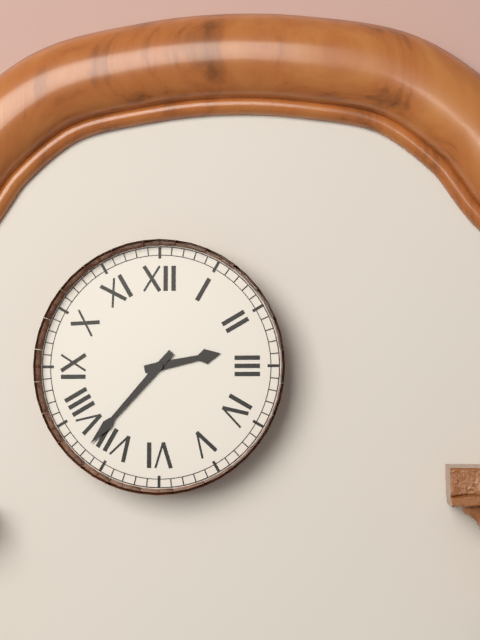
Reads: h=2 m=37
